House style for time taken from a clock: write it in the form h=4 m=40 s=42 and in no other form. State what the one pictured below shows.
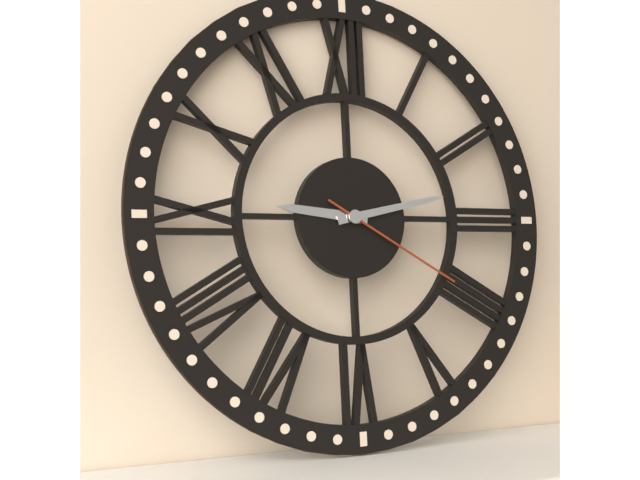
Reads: h=9 m=13 s=20
